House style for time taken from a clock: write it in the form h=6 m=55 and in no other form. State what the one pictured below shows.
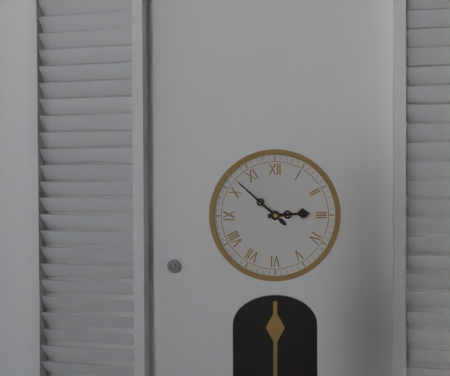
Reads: h=2 m=52
